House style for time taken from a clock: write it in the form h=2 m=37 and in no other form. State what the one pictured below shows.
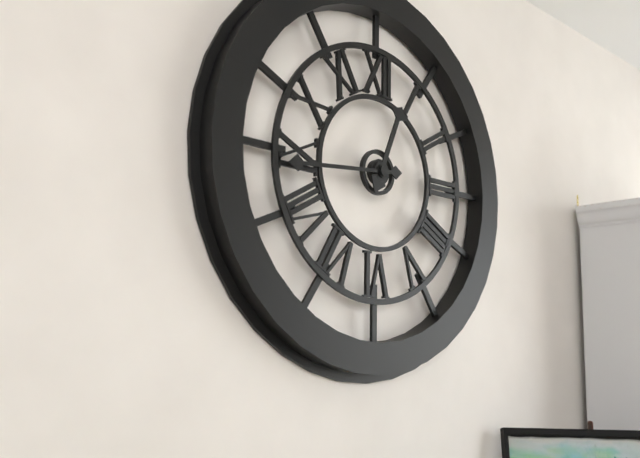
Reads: h=12 m=44
